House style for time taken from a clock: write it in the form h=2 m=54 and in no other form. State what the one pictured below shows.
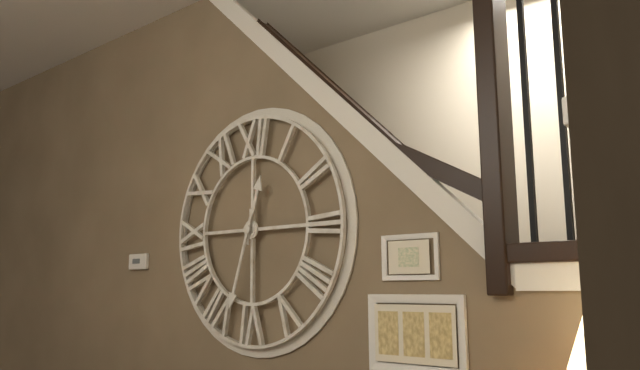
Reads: h=12 m=33
